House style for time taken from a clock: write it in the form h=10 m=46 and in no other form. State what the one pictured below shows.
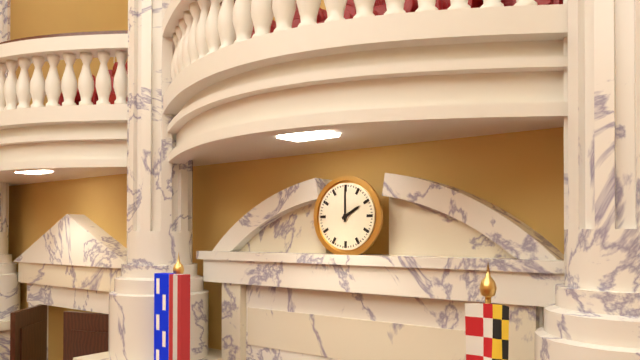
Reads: h=2 m=0
